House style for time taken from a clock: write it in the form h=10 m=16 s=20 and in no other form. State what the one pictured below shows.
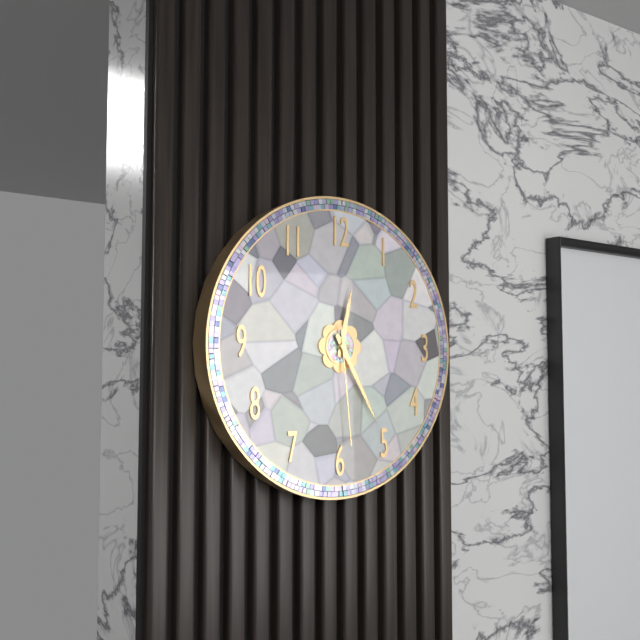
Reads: h=12 m=25 s=29
